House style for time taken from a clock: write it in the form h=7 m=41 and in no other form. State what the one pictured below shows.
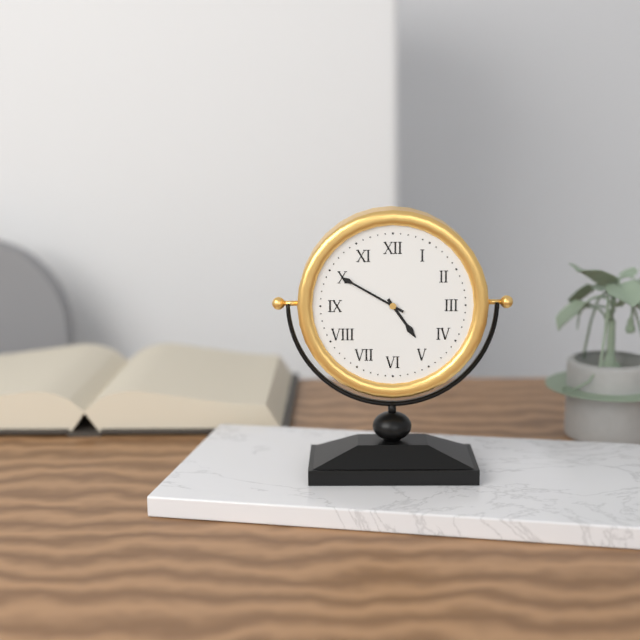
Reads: h=4 m=50
